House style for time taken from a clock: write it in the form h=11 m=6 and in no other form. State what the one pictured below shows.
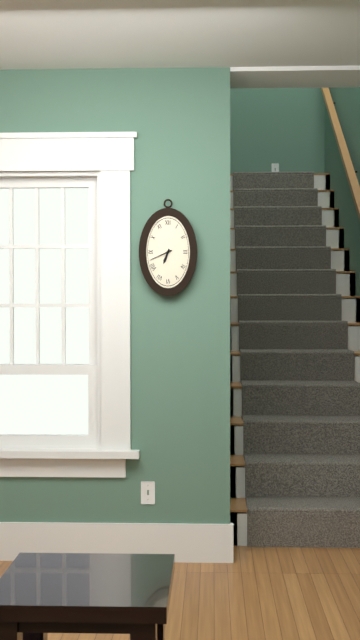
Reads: h=6 m=41
